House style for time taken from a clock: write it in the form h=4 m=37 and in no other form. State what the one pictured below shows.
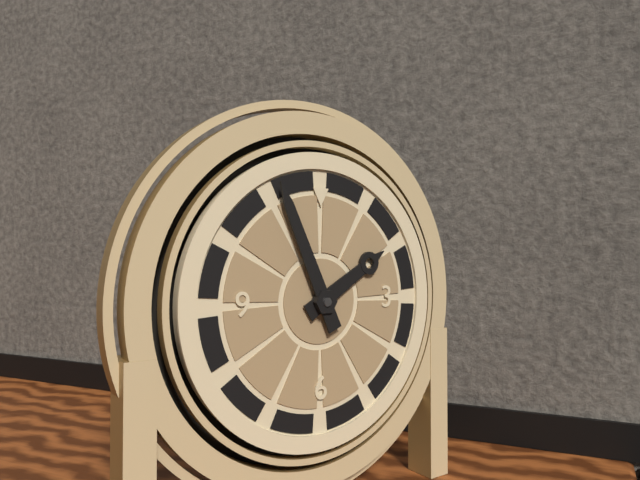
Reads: h=1 m=56
